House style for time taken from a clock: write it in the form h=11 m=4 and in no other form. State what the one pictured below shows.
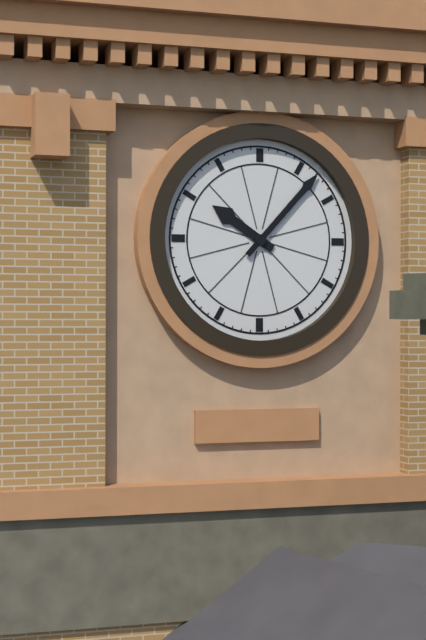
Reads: h=10 m=7
